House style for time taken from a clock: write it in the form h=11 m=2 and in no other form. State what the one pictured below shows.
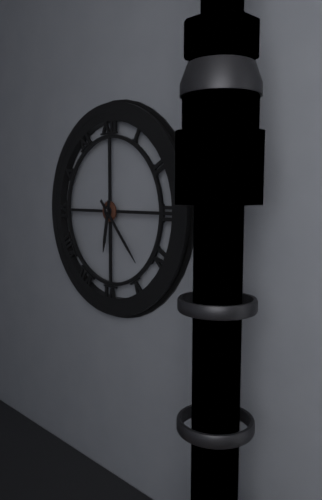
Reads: h=6 m=23
